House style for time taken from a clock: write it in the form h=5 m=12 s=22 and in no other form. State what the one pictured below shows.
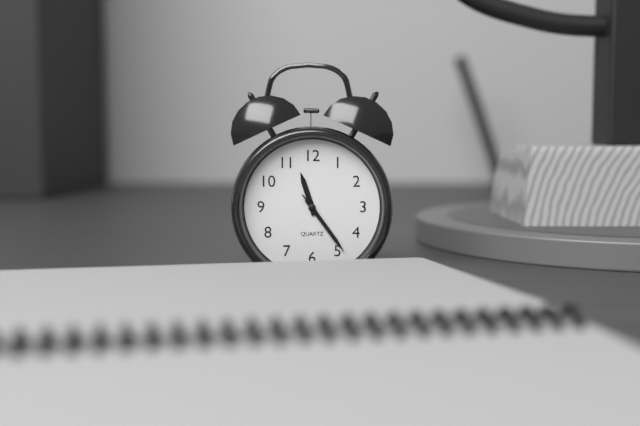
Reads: h=11 m=24 s=24
